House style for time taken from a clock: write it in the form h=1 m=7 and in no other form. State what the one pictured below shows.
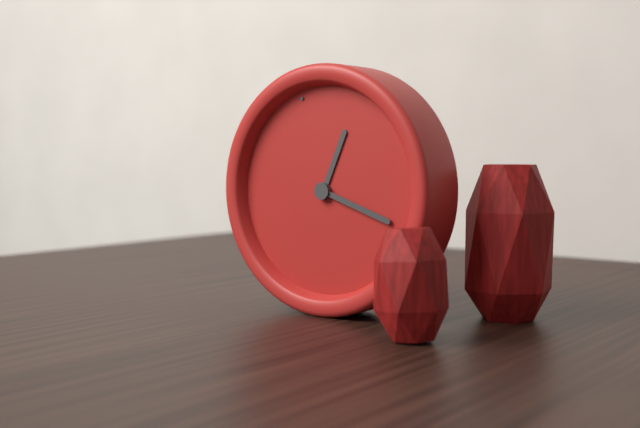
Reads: h=1 m=21
